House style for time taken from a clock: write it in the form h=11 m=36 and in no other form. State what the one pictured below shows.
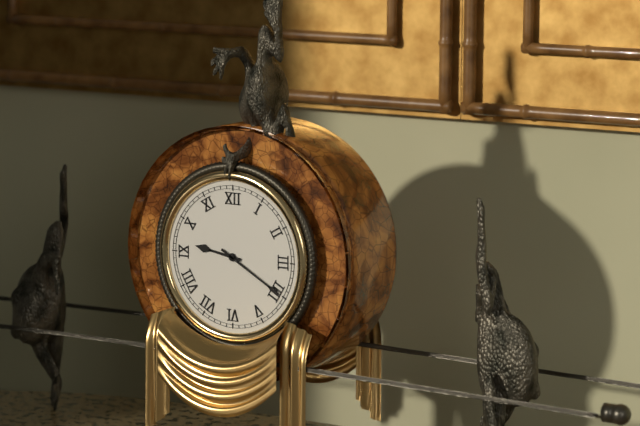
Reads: h=9 m=20
